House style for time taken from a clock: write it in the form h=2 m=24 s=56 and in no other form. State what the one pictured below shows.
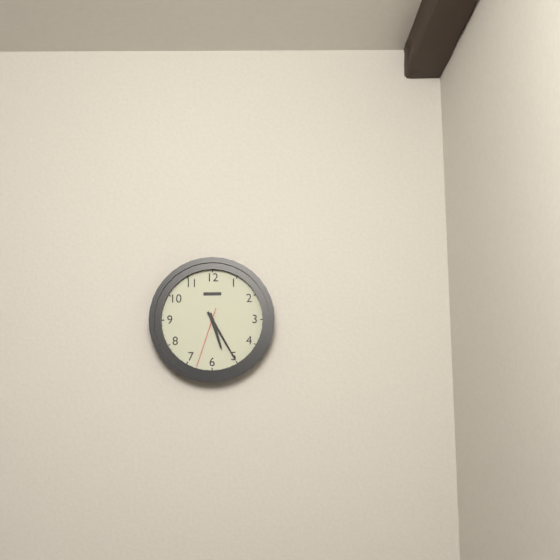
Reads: h=5 m=25 s=33
